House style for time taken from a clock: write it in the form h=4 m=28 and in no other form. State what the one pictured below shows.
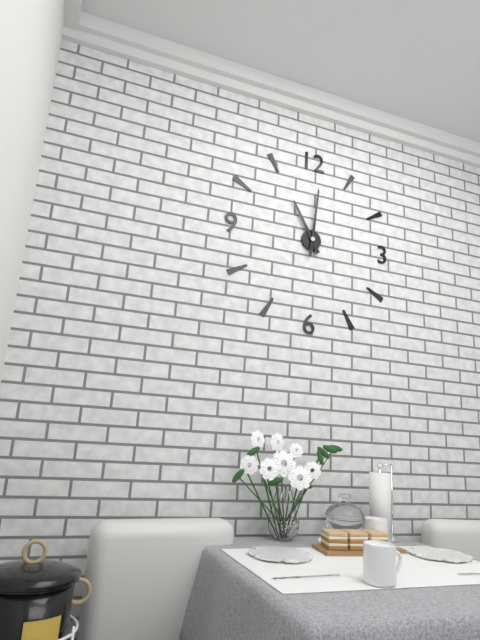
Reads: h=11 m=1
